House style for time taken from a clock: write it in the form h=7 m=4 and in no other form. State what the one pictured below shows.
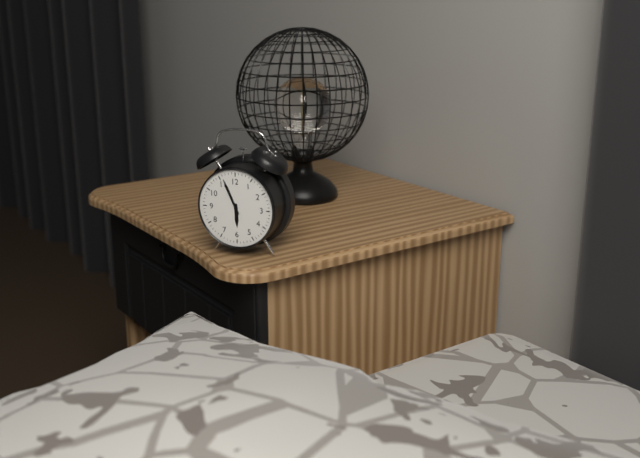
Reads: h=5 m=56
